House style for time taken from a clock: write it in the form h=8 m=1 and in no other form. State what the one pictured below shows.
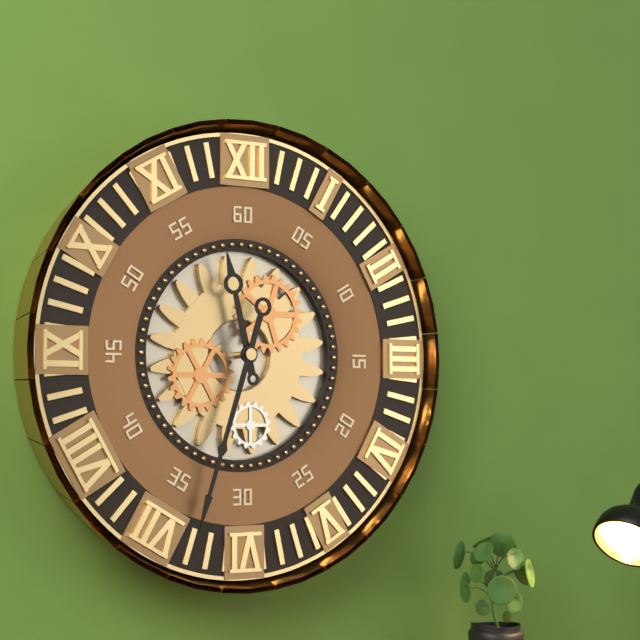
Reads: h=11 m=33
